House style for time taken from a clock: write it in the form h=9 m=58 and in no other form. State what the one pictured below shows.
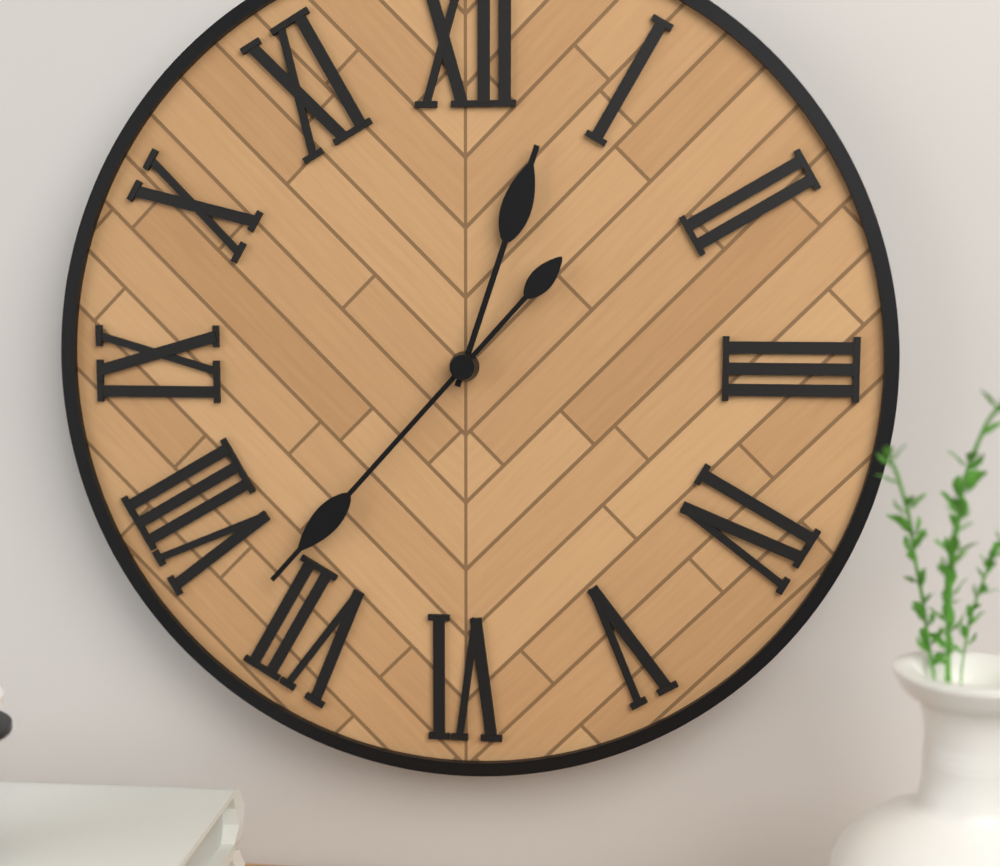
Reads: h=12 m=37
